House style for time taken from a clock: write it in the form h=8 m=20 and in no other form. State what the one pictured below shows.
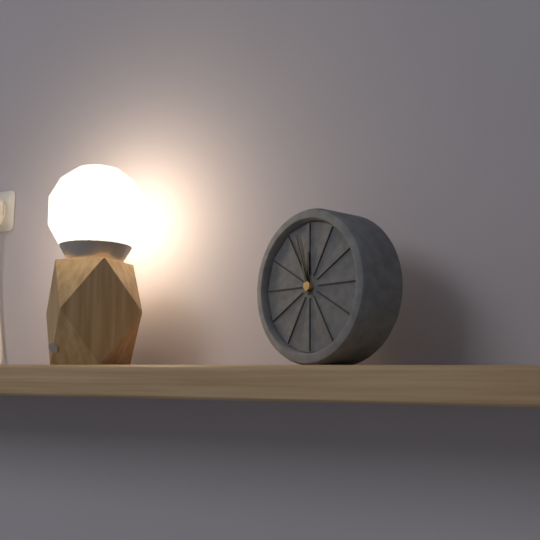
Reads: h=11 m=57
